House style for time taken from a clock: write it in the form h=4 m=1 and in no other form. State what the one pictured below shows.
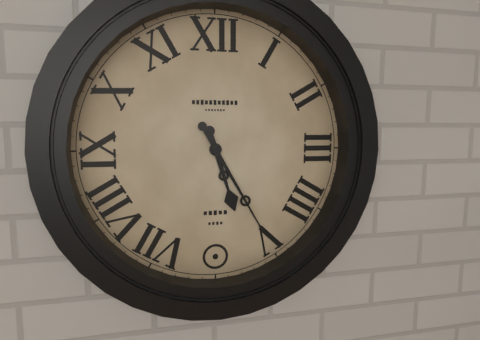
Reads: h=5 m=25
